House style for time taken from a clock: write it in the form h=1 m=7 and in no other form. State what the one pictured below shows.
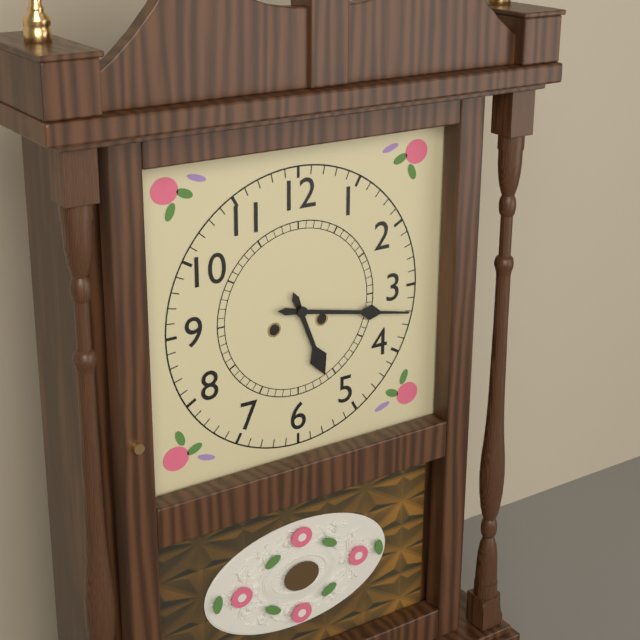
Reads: h=5 m=17
